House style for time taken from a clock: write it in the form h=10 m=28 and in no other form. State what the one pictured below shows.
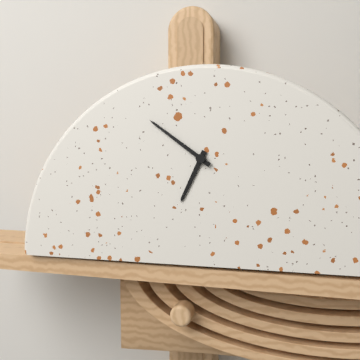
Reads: h=6 m=51
